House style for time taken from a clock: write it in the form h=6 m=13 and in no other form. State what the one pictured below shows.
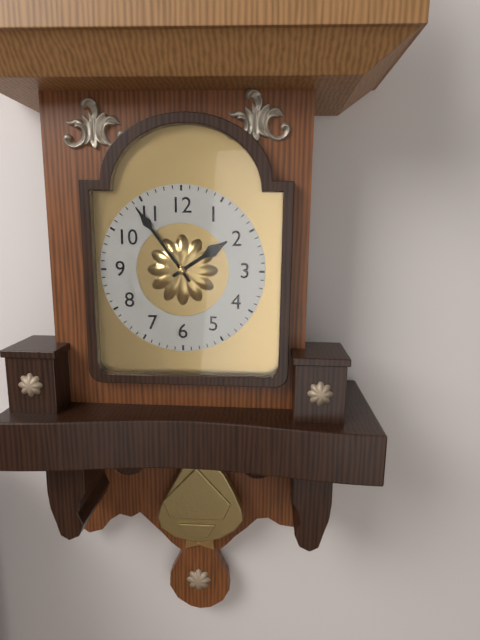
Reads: h=1 m=54
